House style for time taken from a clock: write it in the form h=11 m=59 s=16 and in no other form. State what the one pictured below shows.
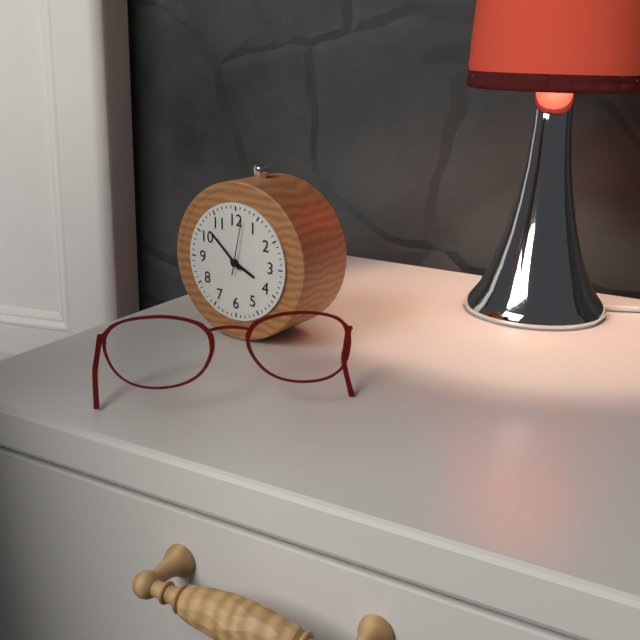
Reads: h=3 m=52 s=2
